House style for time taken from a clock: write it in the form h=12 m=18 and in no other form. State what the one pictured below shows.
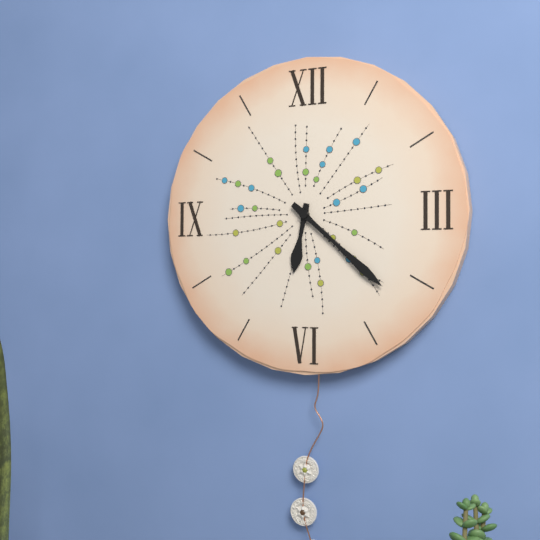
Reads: h=6 m=22
